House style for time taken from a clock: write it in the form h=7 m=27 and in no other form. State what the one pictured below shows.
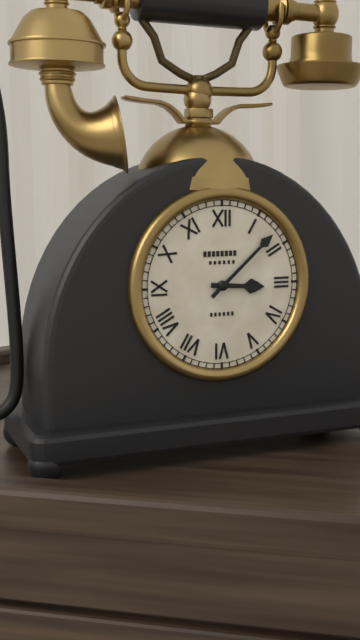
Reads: h=3 m=8
